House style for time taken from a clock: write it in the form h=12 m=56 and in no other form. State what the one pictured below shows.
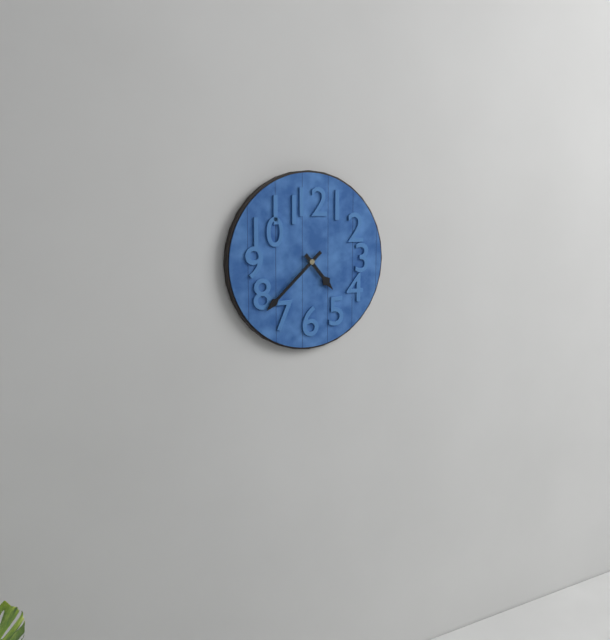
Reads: h=4 m=38
